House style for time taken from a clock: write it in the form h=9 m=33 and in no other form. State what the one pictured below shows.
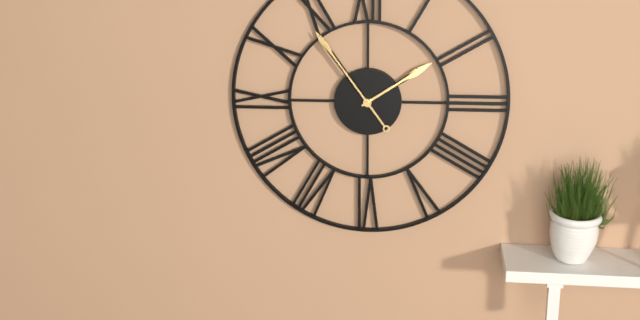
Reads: h=1 m=54
